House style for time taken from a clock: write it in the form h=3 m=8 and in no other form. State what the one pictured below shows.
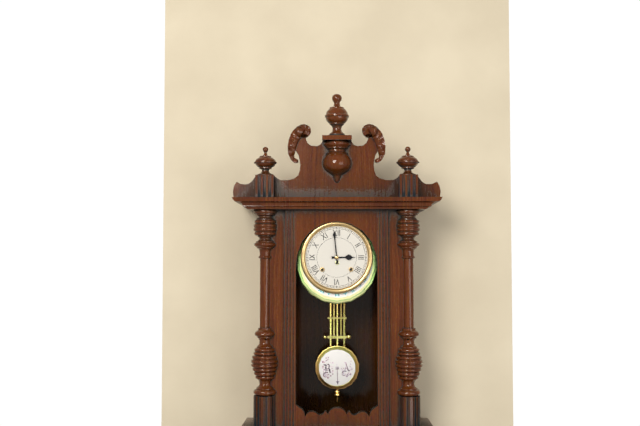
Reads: h=2 m=59
